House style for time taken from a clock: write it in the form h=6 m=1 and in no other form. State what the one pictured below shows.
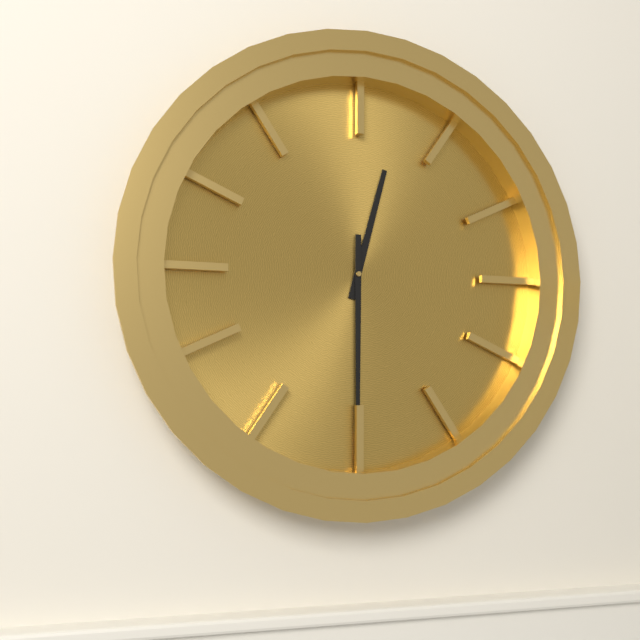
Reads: h=12 m=30
